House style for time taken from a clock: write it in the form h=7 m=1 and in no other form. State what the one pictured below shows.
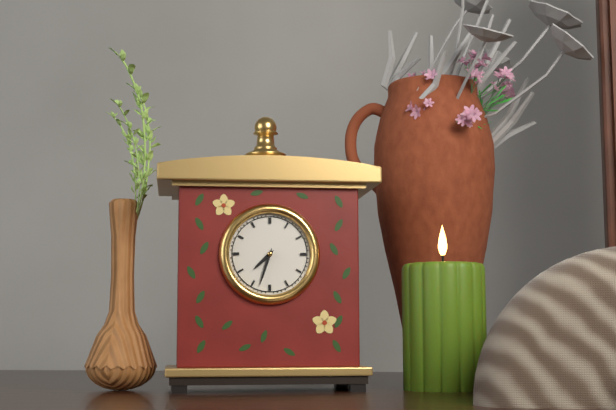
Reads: h=7 m=33
